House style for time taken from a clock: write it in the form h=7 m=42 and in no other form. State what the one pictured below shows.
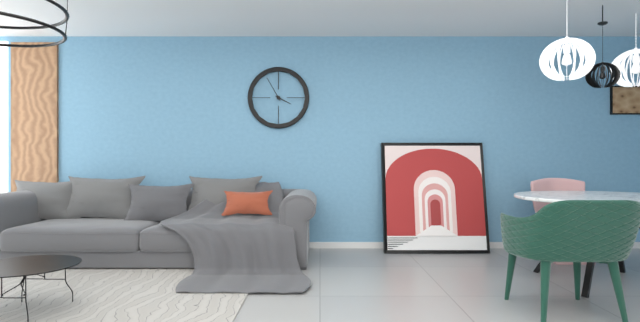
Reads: h=3 m=55
